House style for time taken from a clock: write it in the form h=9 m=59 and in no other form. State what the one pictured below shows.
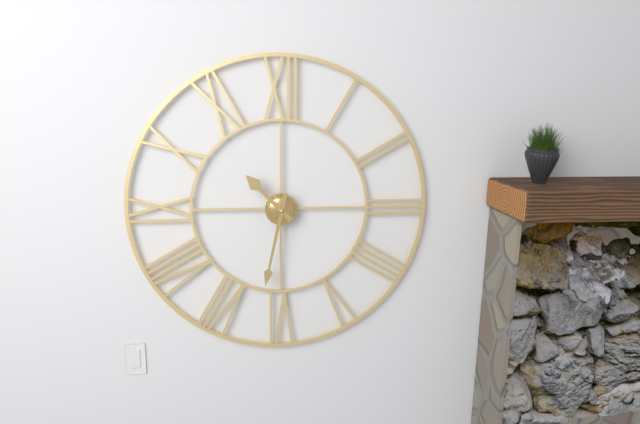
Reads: h=10 m=32
